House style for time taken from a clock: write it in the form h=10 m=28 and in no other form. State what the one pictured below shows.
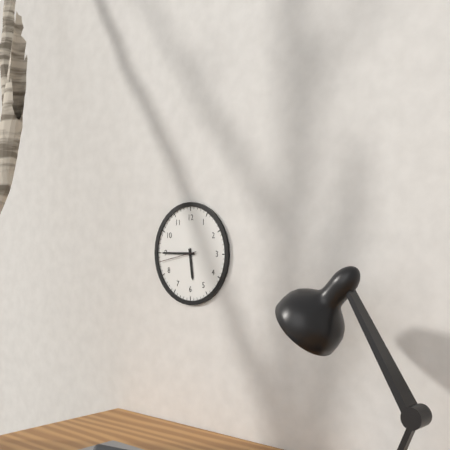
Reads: h=5 m=45
